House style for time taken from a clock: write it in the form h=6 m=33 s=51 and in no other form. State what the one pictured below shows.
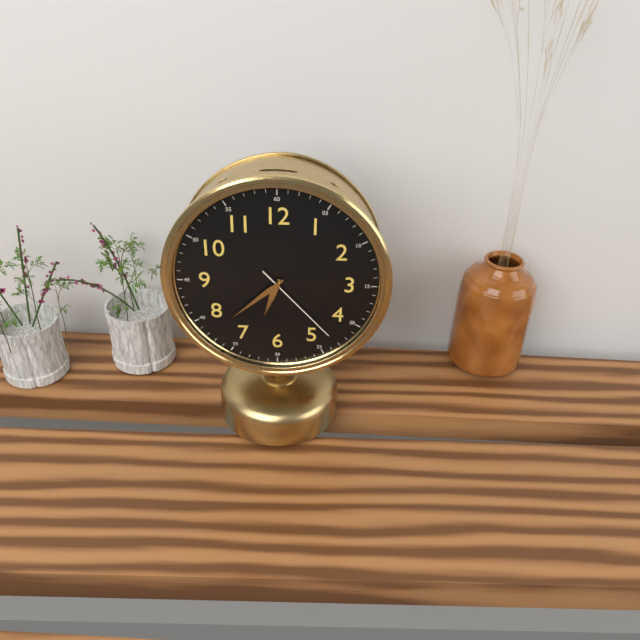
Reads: h=6 m=38 s=23
